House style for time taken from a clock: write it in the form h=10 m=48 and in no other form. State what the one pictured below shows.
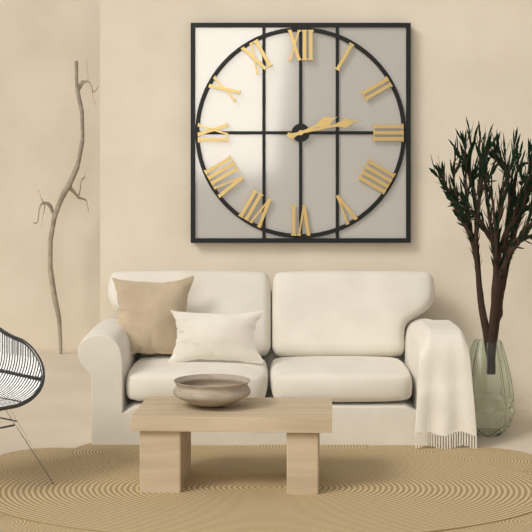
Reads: h=2 m=13
